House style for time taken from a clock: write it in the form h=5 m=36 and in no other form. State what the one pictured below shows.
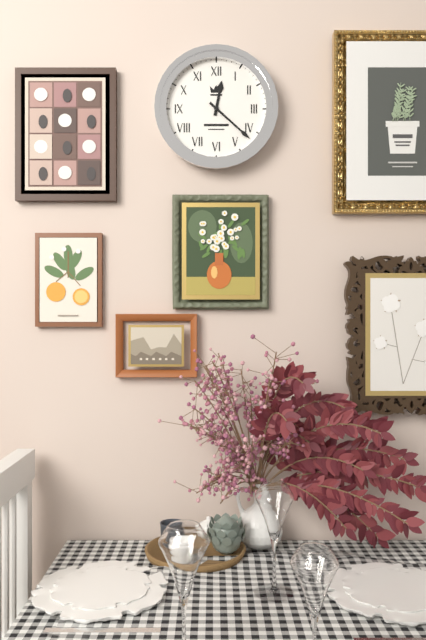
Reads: h=12 m=22
